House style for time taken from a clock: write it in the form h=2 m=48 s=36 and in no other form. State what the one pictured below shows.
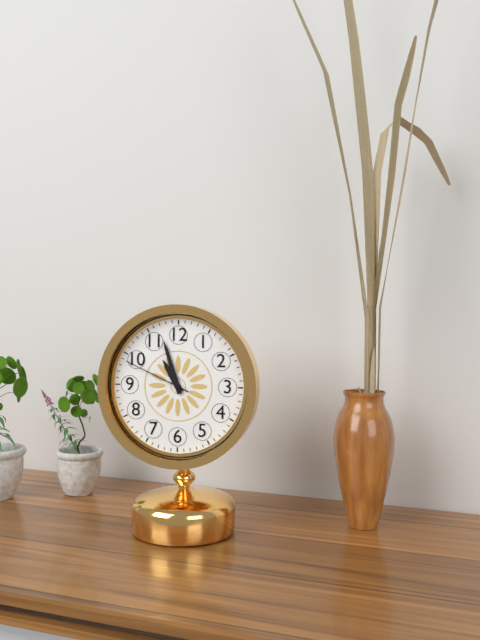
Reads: h=10 m=57 s=49
